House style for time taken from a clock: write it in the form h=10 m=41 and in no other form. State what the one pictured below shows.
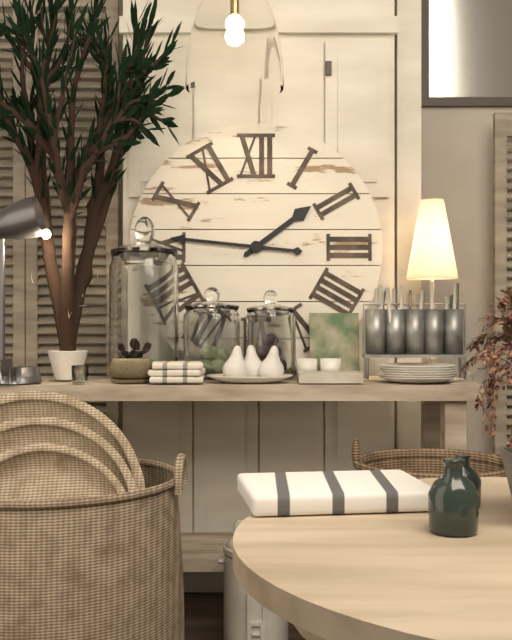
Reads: h=1 m=46
